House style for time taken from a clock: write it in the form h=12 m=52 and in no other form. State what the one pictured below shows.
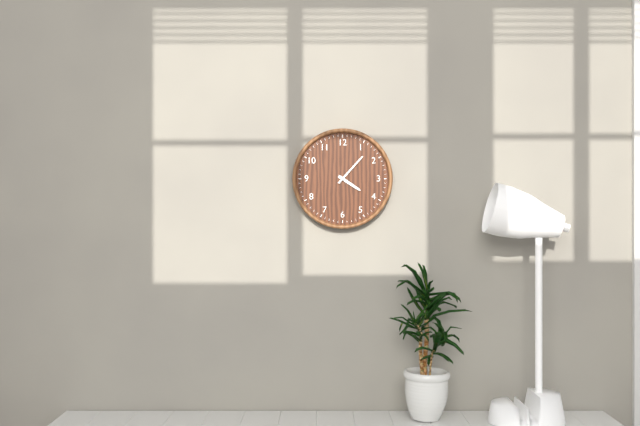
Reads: h=4 m=7
